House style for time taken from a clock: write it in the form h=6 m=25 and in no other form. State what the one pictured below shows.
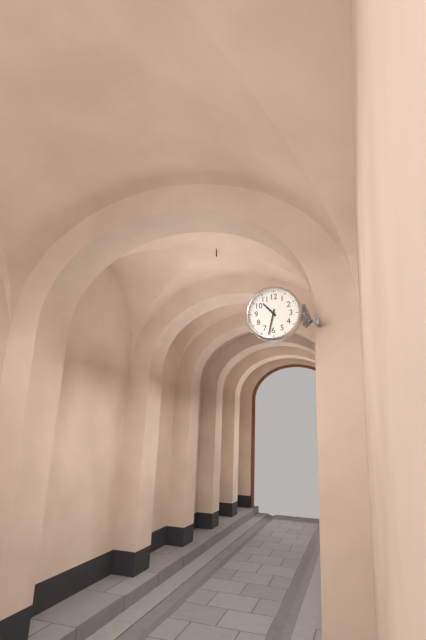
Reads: h=10 m=32
